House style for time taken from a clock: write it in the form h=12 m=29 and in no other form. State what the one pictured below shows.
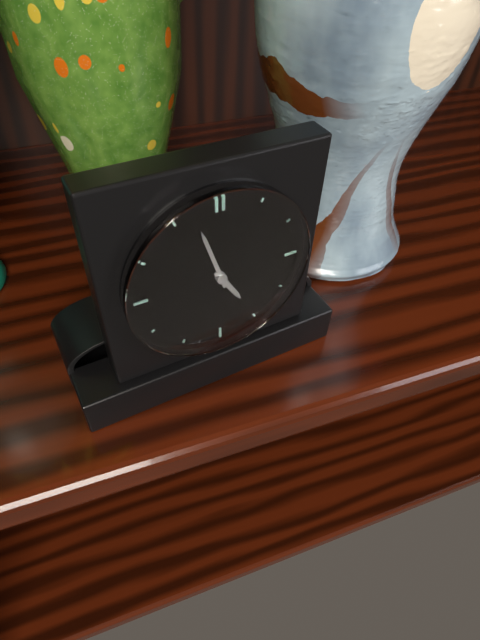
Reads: h=4 m=57
